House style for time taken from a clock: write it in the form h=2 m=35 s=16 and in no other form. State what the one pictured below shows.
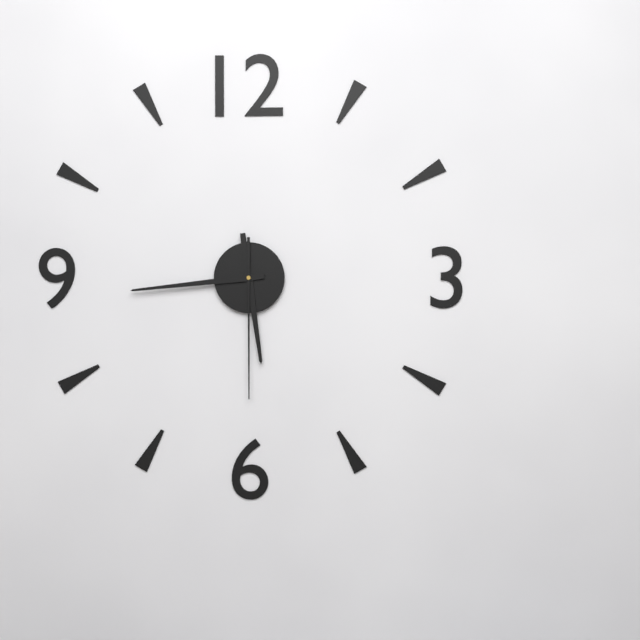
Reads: h=5 m=44 s=30
